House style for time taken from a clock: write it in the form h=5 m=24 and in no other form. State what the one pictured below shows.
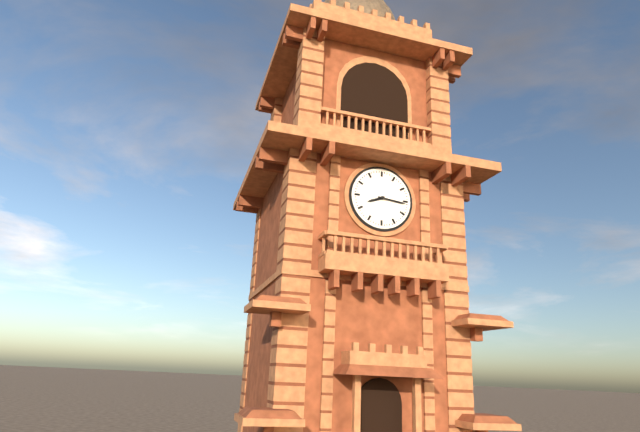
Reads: h=8 m=16
